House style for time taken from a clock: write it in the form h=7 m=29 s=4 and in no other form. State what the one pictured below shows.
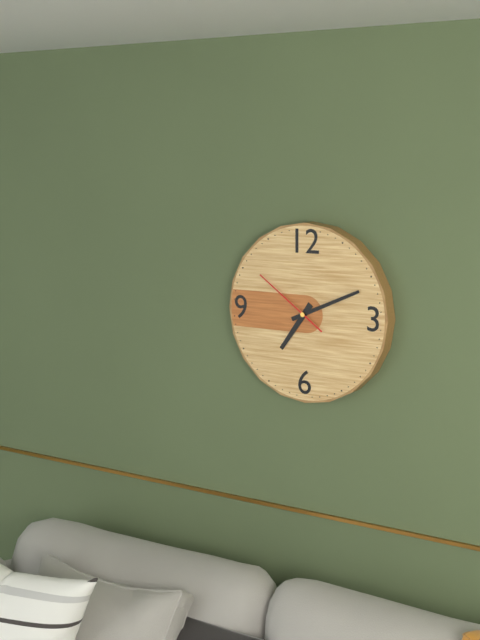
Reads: h=7 m=11 s=51
